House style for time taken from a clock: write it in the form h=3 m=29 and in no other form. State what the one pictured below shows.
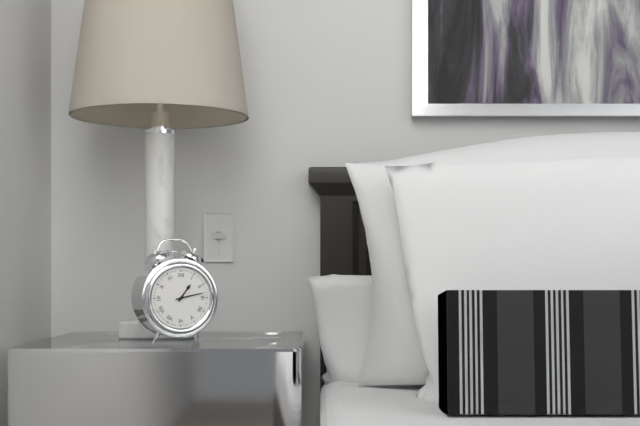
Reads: h=1 m=13
